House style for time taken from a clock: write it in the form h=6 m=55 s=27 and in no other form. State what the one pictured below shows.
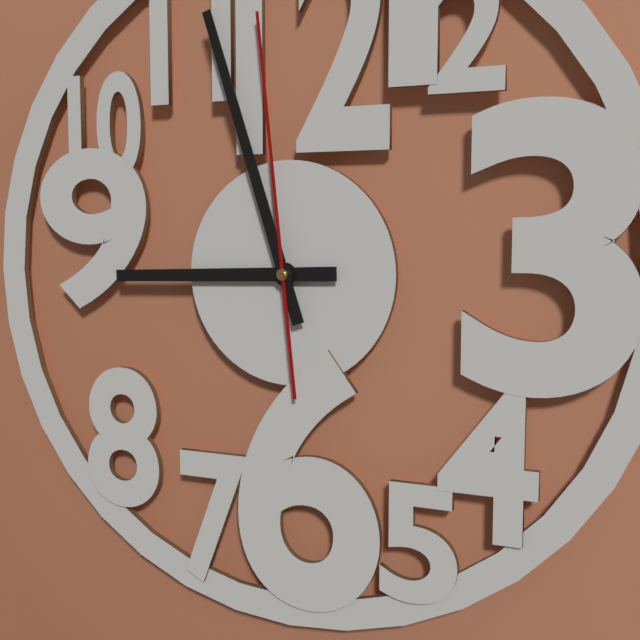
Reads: h=8 m=57 s=59
